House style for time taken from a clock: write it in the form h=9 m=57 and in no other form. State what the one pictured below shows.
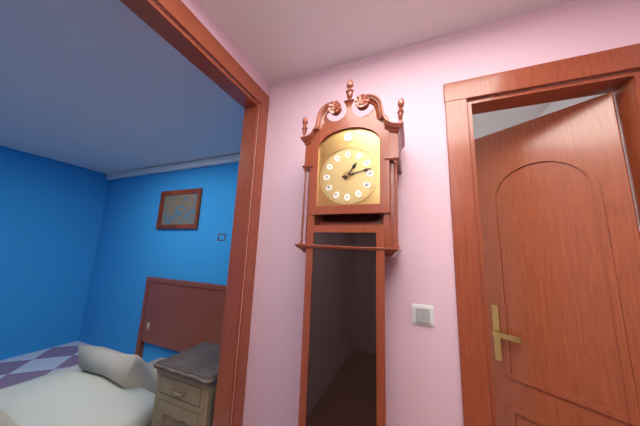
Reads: h=1 m=13
